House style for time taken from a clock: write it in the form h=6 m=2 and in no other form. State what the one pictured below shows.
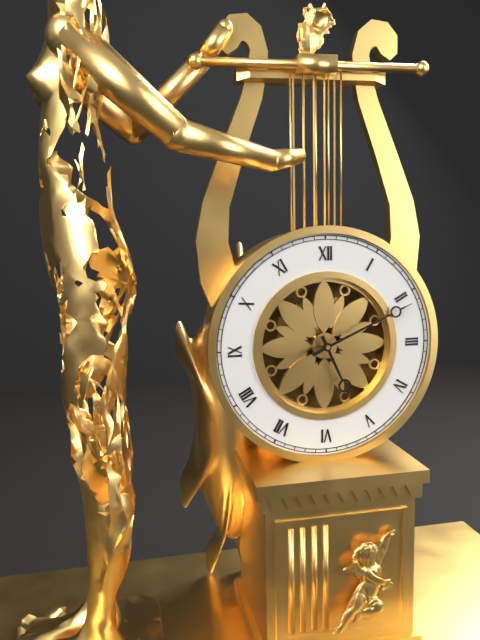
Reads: h=5 m=11
